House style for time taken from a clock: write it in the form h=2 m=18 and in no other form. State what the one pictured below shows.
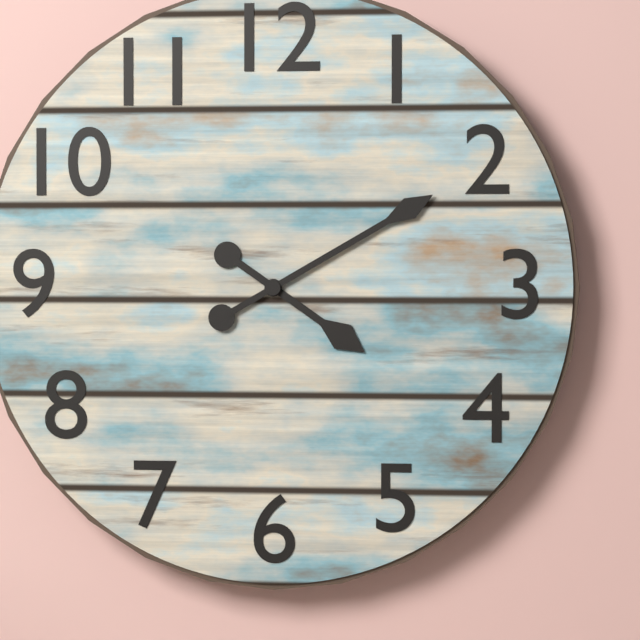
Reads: h=4 m=10
